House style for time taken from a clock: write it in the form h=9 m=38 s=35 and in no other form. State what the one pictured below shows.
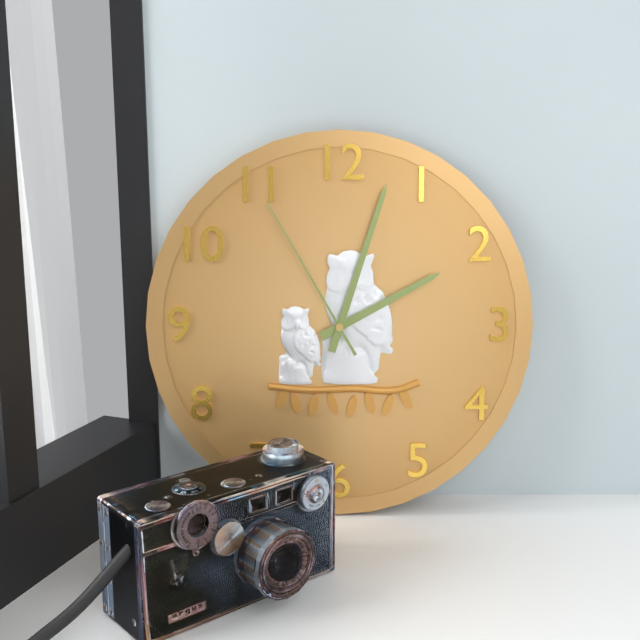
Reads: h=2 m=3 s=55
